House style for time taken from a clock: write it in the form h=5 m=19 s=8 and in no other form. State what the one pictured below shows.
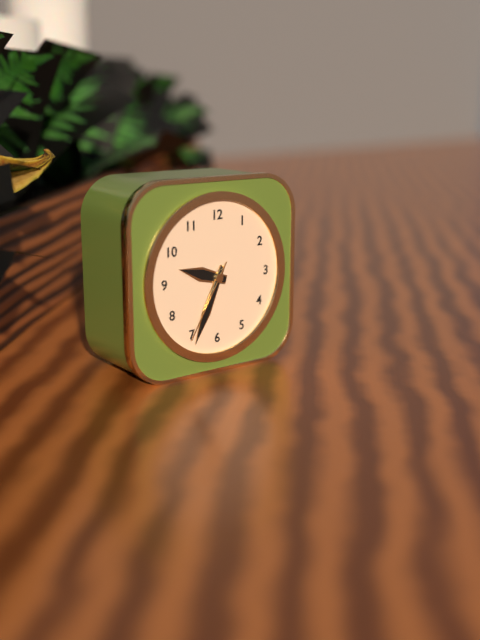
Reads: h=9 m=34 s=35
